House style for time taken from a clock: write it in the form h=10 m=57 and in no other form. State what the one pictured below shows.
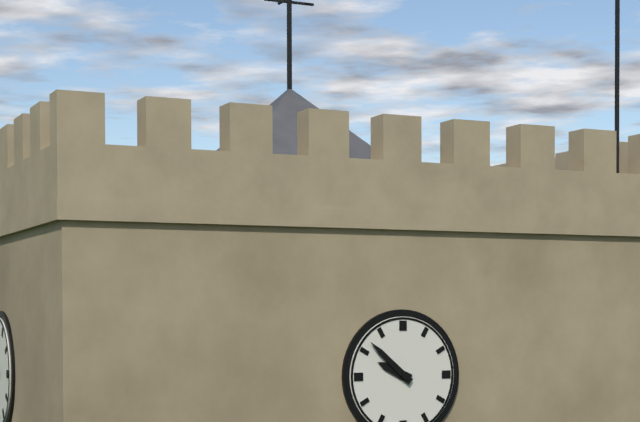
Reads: h=9 m=52
